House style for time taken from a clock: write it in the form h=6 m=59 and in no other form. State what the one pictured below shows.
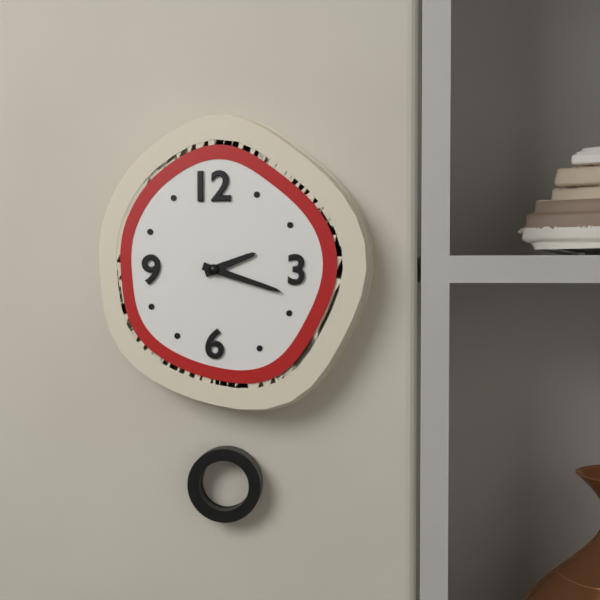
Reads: h=2 m=18
